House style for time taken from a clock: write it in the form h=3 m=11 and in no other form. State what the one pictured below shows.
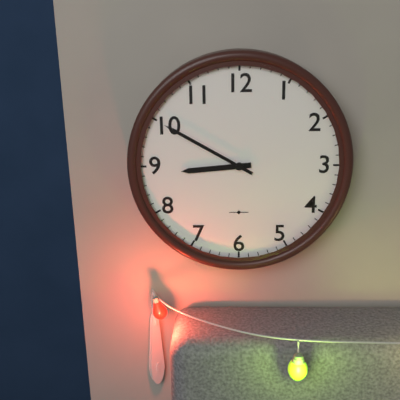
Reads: h=8 m=50
